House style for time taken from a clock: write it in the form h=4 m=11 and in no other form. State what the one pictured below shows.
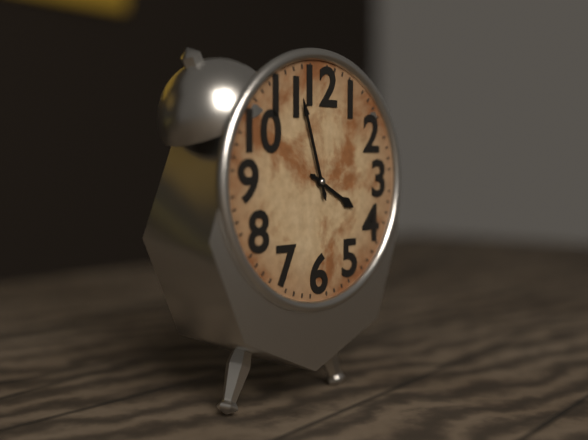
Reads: h=3 m=57
